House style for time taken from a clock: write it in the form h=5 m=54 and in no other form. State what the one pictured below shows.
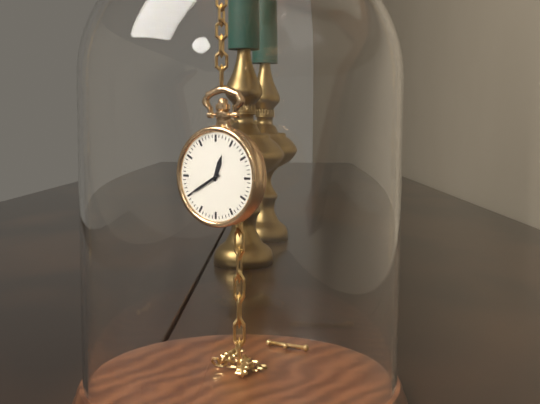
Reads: h=12 m=40
